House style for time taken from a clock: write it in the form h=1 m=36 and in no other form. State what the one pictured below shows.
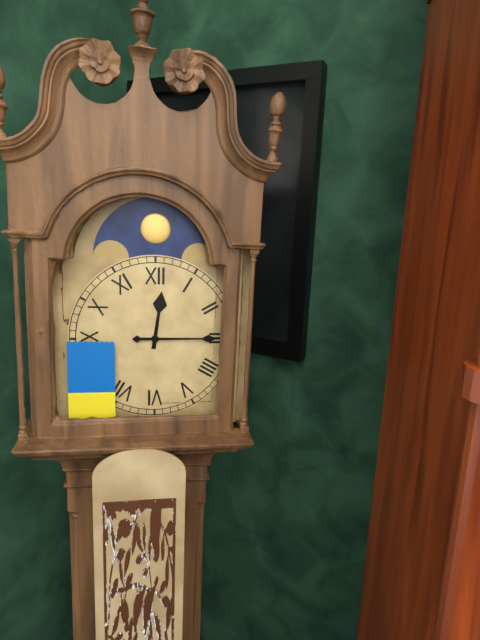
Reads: h=12 m=15
